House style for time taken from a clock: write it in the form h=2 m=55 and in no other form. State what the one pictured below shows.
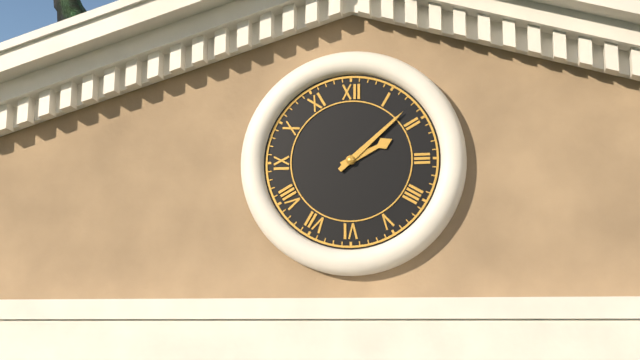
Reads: h=2 m=8
